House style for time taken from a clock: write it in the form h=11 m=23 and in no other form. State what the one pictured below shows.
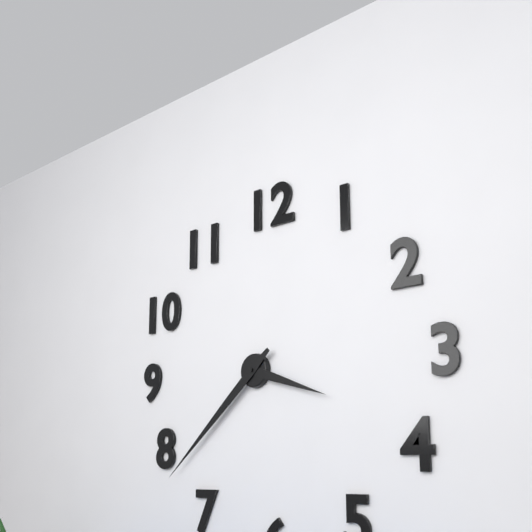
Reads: h=3 m=38
